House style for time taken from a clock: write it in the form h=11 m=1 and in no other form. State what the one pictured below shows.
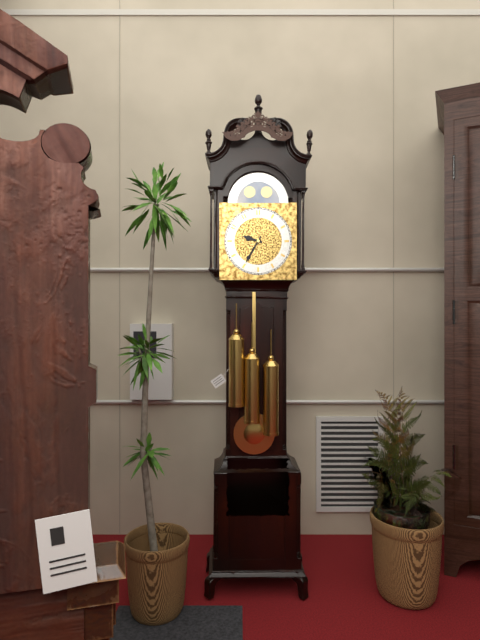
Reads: h=9 m=35
